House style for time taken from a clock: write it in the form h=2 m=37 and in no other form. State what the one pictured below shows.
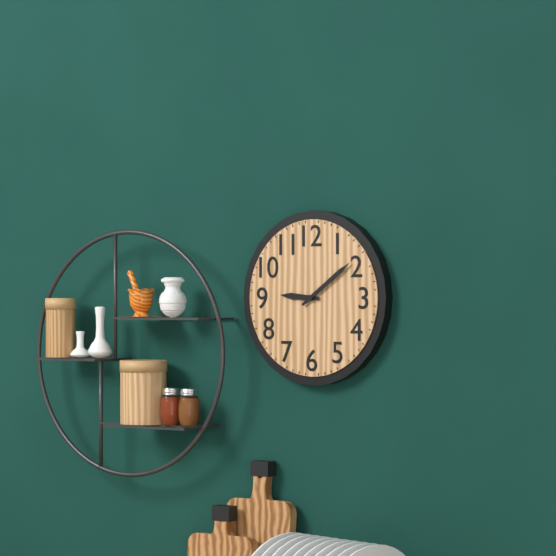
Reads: h=9 m=9
